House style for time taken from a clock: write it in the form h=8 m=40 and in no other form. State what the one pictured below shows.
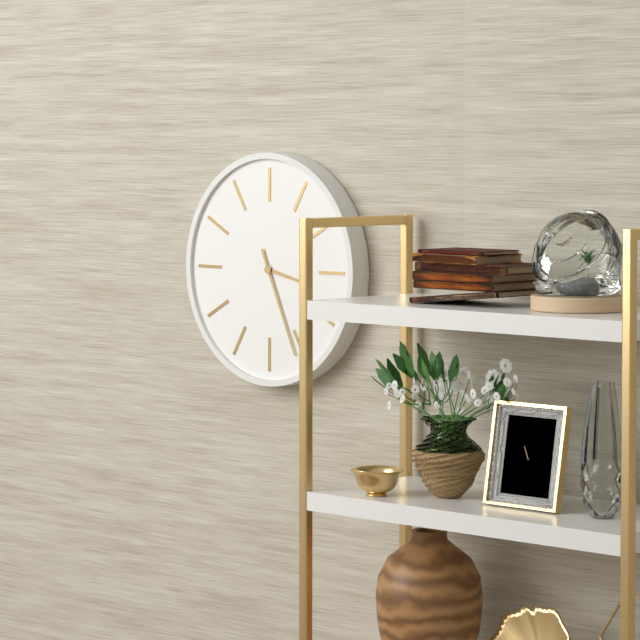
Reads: h=3 m=26
